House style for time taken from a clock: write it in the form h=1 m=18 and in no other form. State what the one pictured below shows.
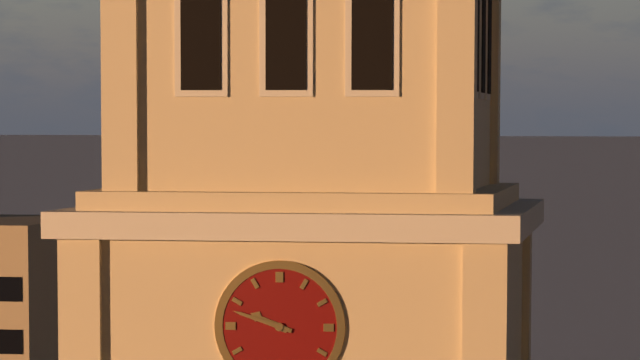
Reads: h=9 m=48
